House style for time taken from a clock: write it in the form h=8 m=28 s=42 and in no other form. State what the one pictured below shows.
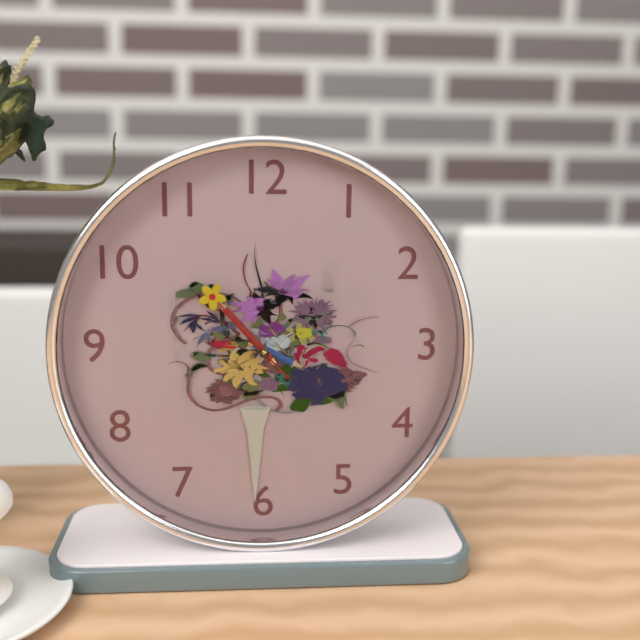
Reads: h=3 m=53 s=53
